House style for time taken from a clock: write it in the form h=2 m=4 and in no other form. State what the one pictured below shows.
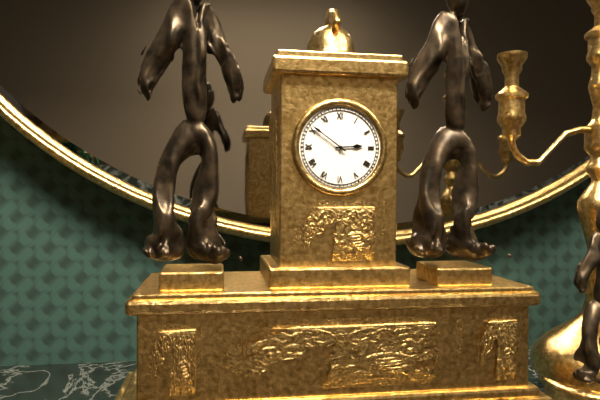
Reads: h=2 m=51
